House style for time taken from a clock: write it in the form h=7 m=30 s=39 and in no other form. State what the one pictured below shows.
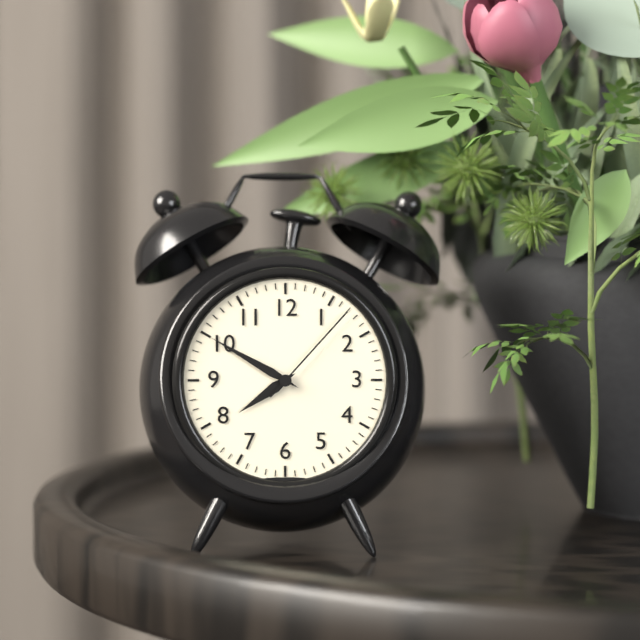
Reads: h=7 m=50 s=7
